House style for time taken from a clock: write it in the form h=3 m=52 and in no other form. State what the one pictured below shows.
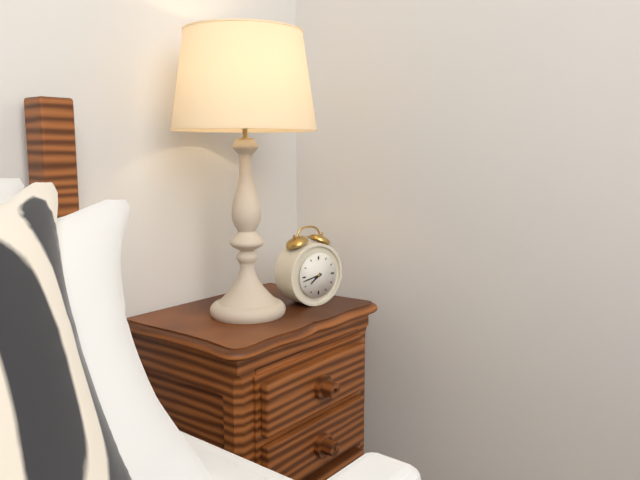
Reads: h=7 m=43
